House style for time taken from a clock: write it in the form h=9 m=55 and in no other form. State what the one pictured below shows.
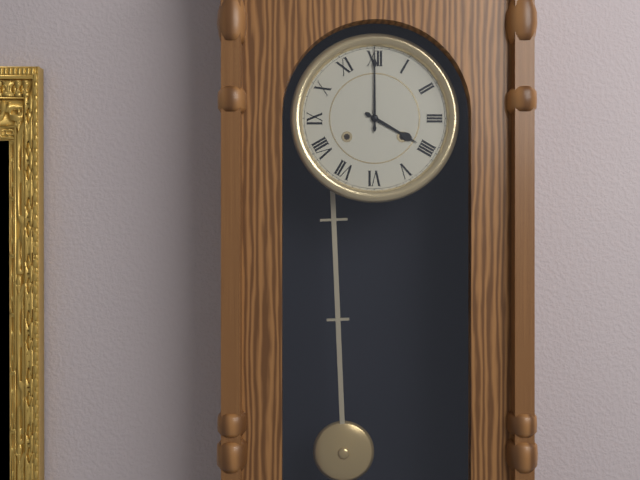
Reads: h=4 m=0
